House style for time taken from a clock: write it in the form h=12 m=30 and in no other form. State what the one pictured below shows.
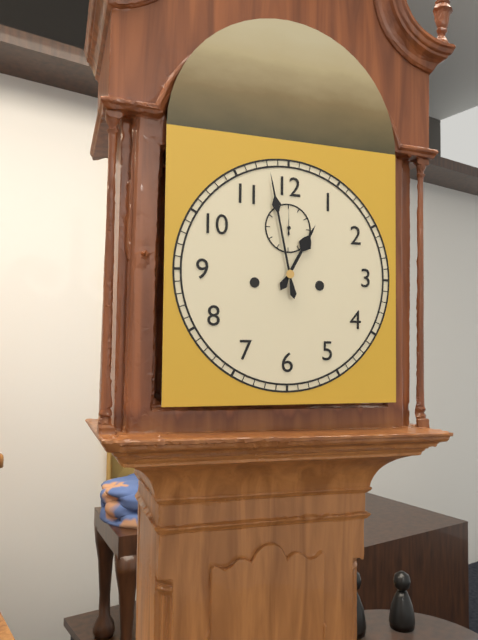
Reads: h=12 m=58
